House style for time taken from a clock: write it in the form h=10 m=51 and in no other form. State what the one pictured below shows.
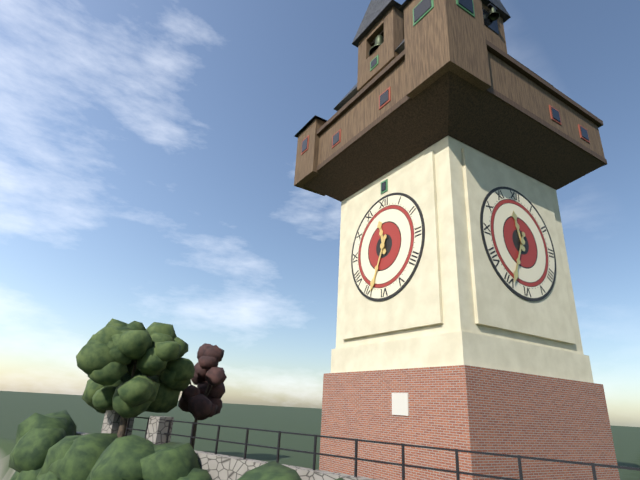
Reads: h=11 m=34
